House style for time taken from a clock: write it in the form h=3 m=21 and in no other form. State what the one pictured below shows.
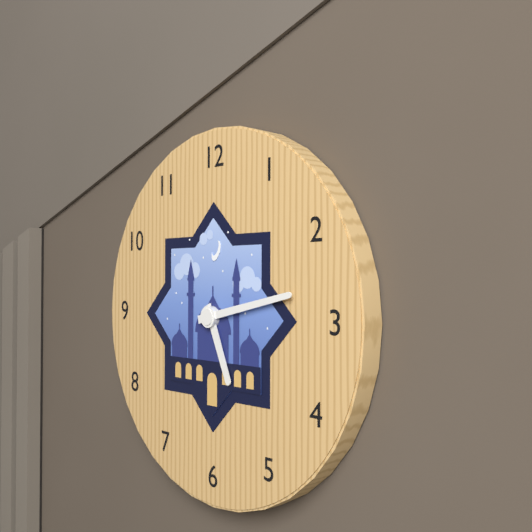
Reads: h=5 m=13
